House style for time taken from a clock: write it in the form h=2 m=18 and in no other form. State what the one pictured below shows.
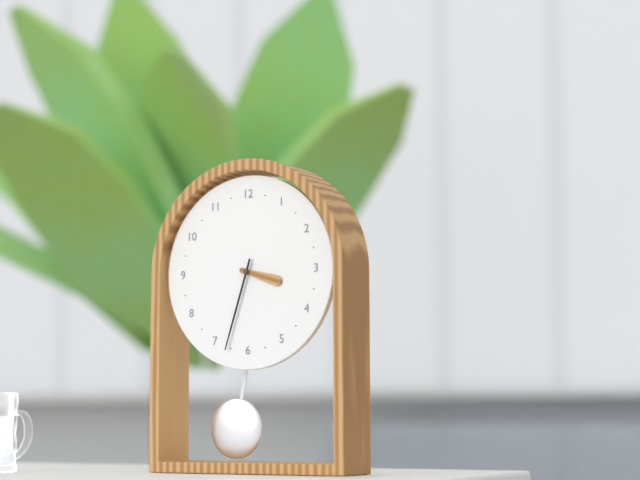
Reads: h=3 m=33
